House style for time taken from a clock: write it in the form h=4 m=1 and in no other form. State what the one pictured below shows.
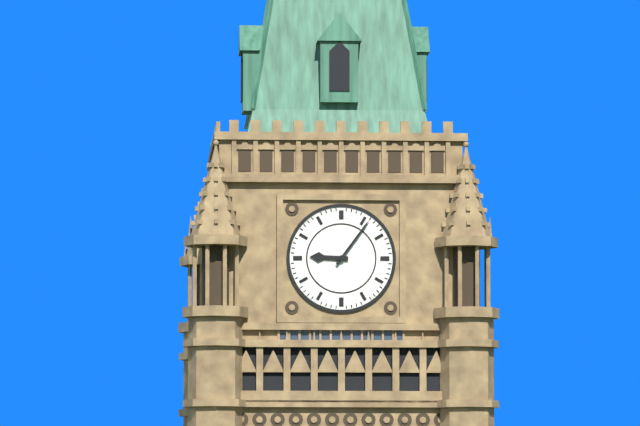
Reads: h=9 m=6
